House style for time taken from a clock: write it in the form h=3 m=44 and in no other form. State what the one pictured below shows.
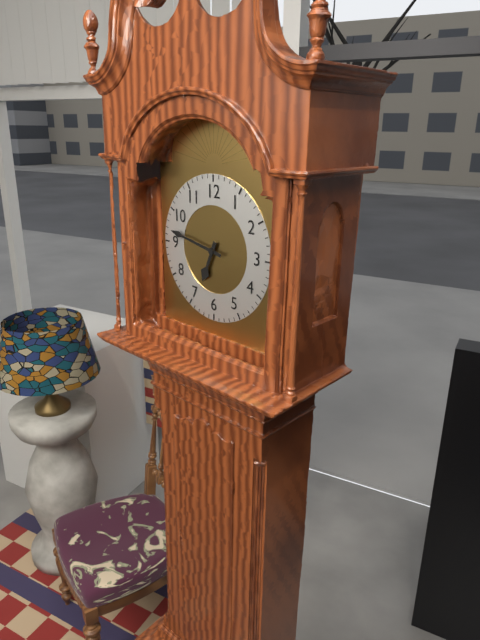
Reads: h=6 m=47
